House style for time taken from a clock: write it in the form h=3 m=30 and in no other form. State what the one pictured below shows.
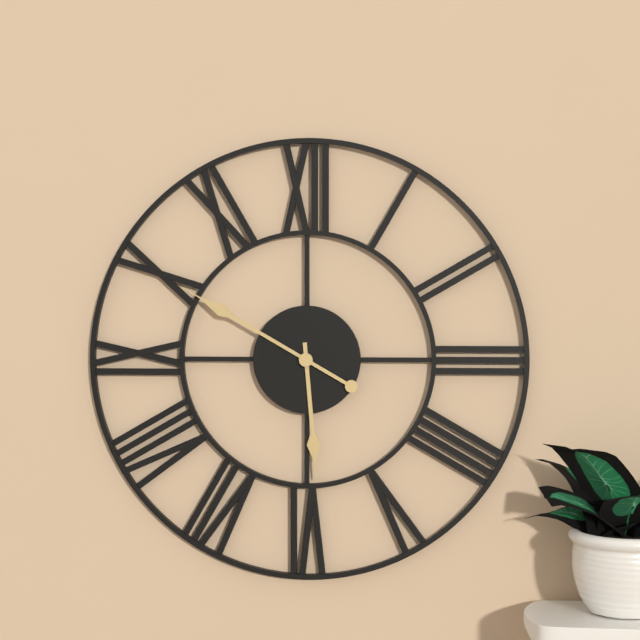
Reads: h=5 m=50
